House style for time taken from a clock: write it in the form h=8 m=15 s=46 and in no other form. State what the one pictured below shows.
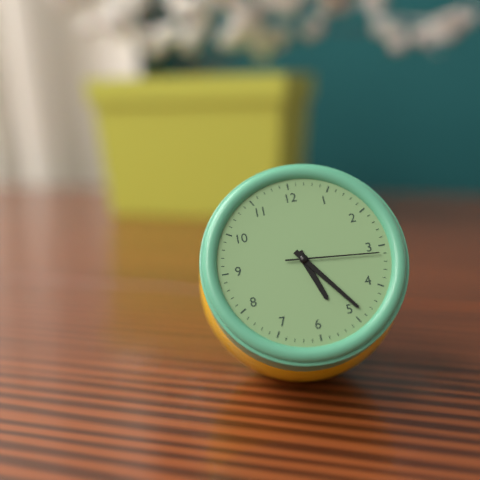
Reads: h=5 m=24 s=16
